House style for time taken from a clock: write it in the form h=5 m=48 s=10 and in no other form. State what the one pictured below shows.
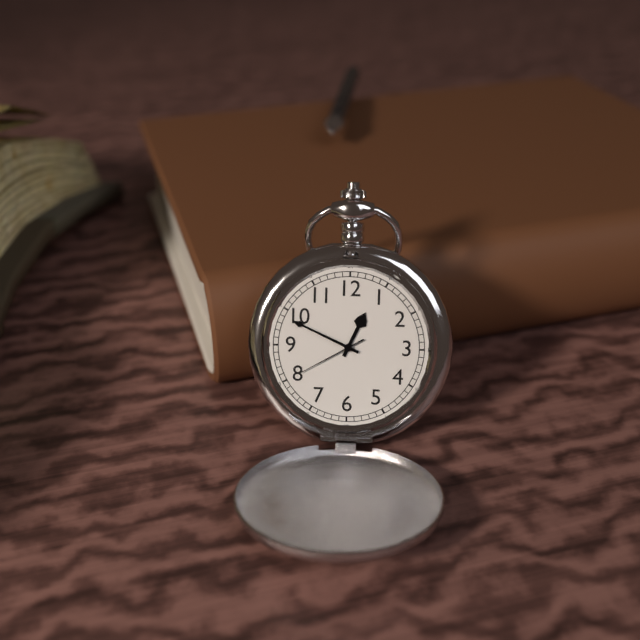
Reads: h=12 m=49 s=40
